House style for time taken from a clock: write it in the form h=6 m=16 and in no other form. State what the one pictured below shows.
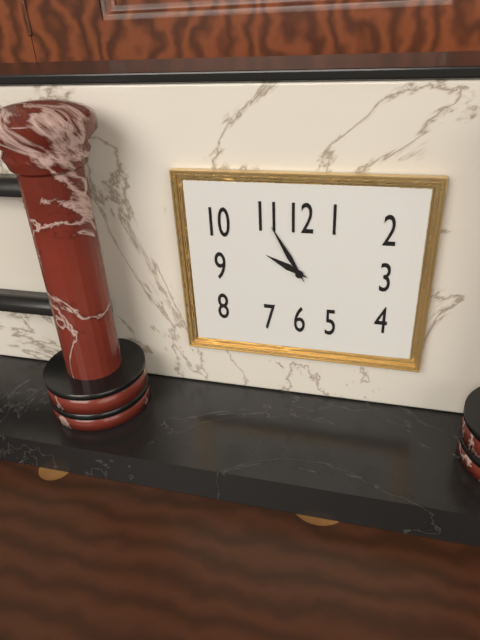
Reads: h=9 m=55
